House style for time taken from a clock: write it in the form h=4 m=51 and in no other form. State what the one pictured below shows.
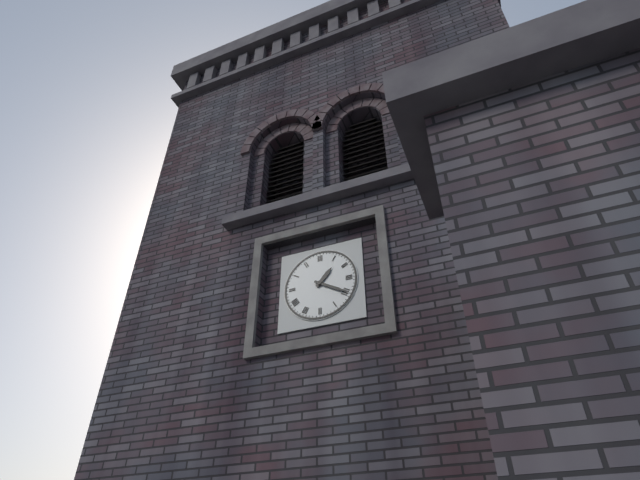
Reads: h=1 m=20
